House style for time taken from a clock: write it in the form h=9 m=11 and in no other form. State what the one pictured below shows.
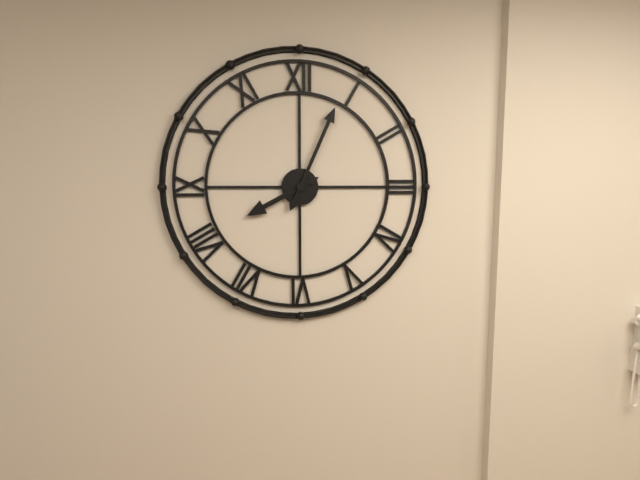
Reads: h=8 m=4
